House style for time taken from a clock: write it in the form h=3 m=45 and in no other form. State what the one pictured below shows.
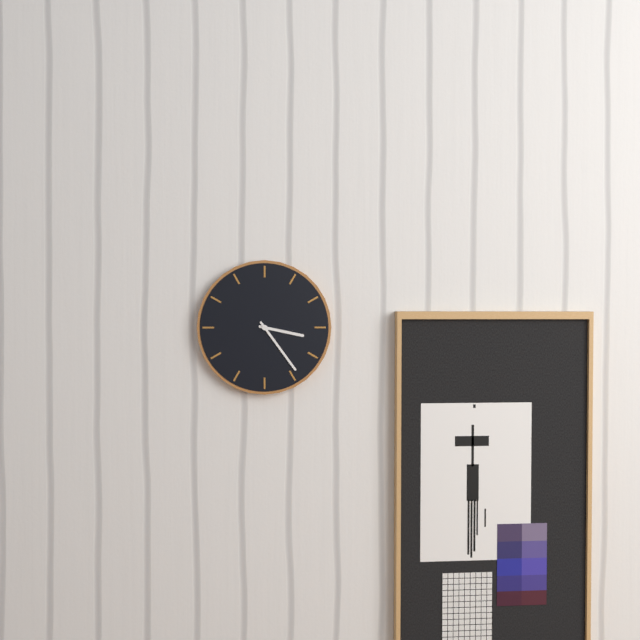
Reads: h=3 m=24
